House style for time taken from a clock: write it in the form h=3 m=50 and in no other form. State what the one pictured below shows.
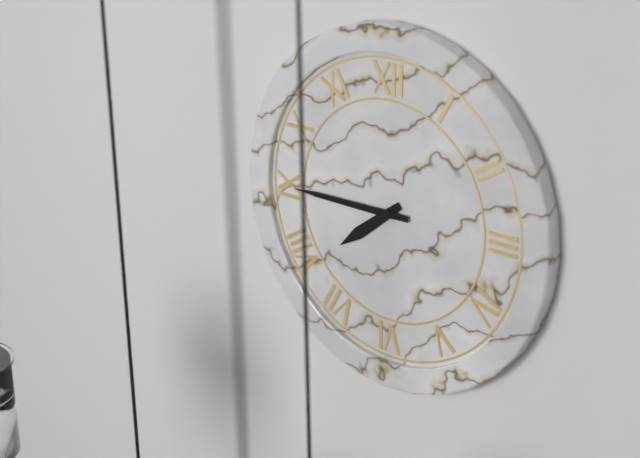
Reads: h=7 m=45
